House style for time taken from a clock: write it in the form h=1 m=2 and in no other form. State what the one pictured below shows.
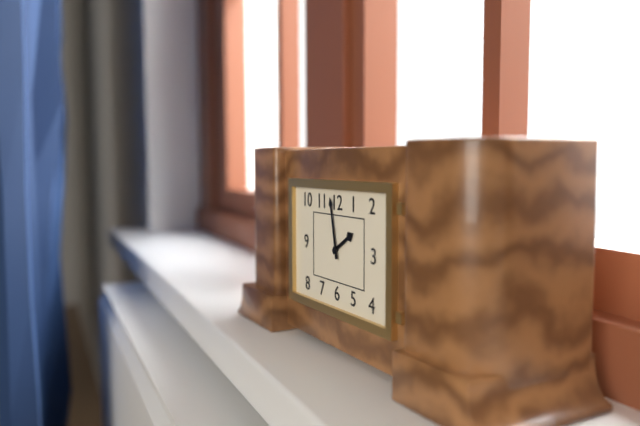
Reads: h=1 m=58
